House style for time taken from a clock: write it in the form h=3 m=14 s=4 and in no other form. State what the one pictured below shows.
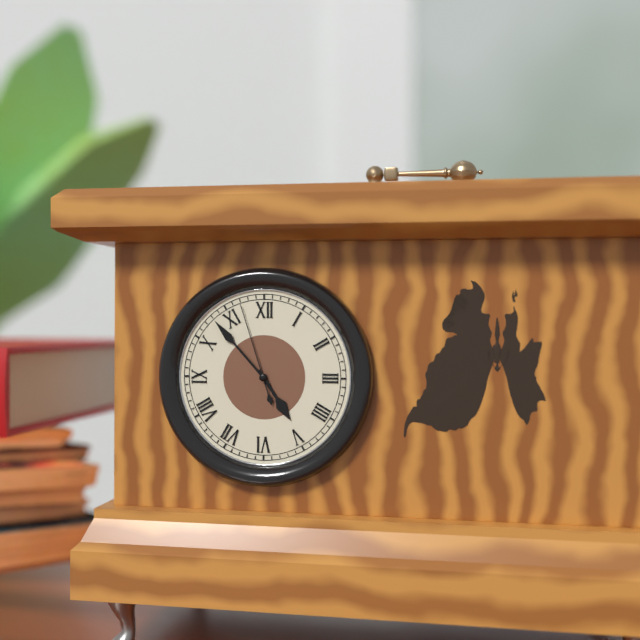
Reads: h=4 m=53 s=57
